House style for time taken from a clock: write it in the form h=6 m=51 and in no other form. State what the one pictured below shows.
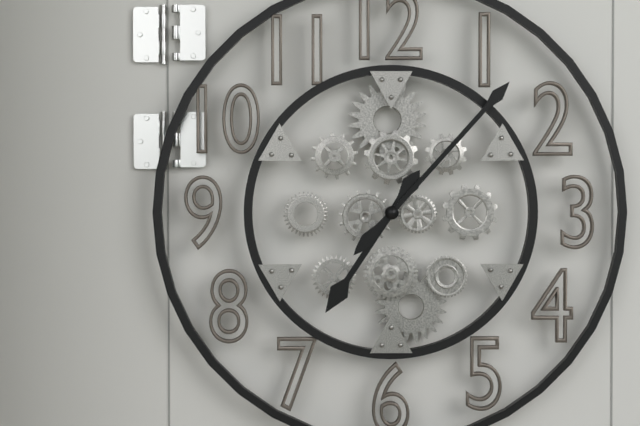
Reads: h=7 m=7
